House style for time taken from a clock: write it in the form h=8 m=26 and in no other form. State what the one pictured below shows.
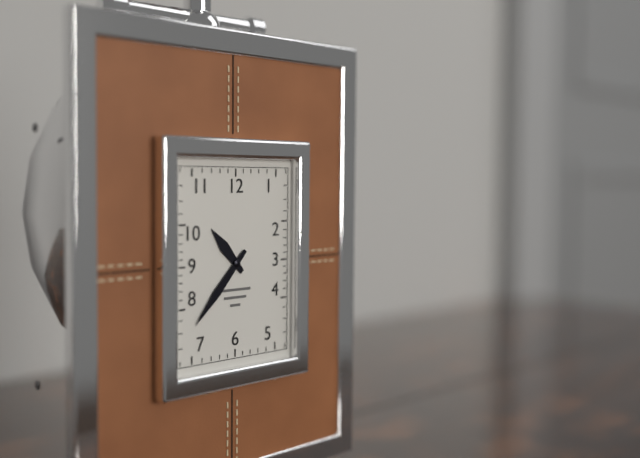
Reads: h=10 m=37
